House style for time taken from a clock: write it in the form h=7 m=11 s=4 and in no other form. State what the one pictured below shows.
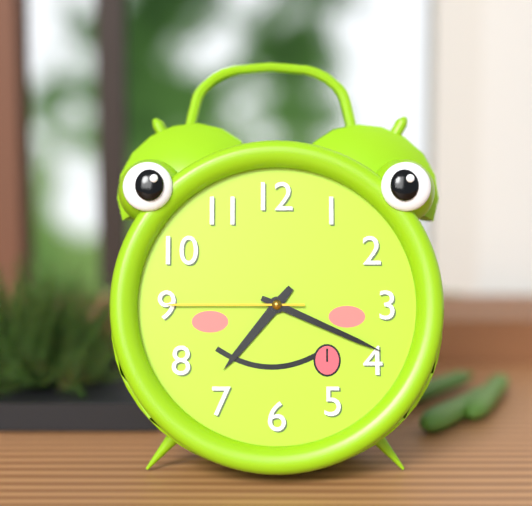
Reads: h=7 m=19 s=45
